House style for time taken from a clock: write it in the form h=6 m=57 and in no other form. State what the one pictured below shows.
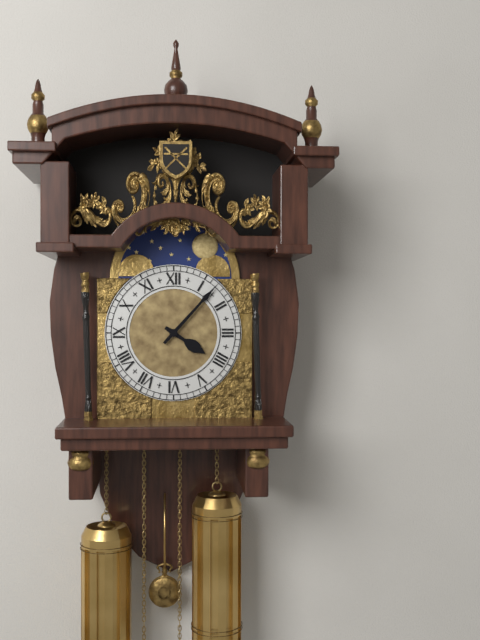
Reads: h=4 m=7
